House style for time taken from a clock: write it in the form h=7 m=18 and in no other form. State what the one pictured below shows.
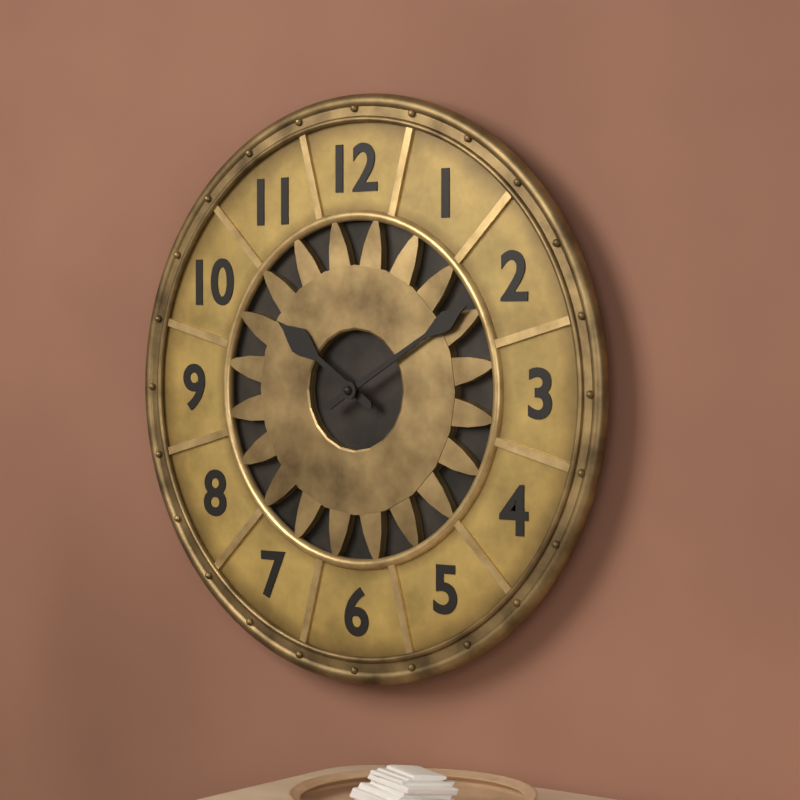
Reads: h=10 m=10
